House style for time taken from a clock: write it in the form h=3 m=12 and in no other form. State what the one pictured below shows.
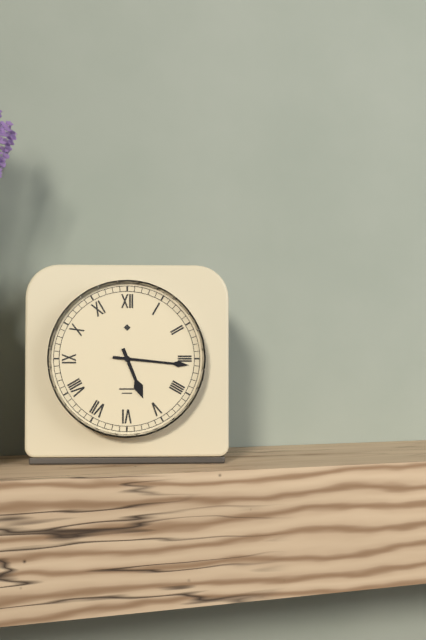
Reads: h=5 m=16
